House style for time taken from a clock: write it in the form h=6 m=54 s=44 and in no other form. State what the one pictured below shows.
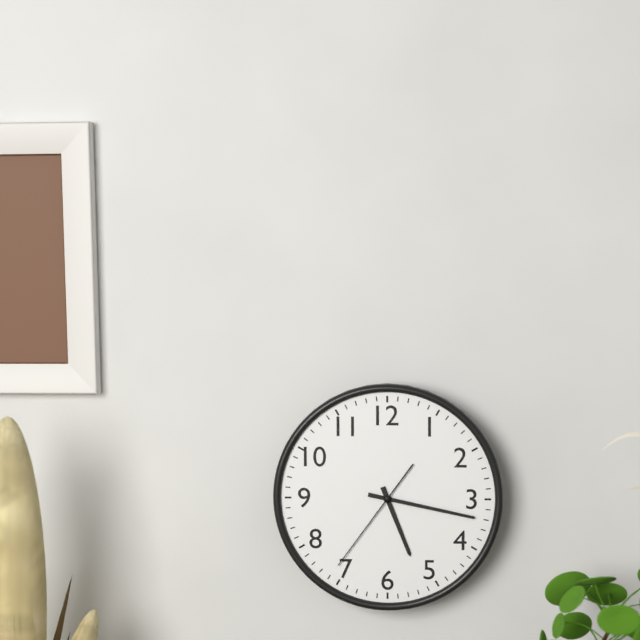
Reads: h=5 m=17 s=36
